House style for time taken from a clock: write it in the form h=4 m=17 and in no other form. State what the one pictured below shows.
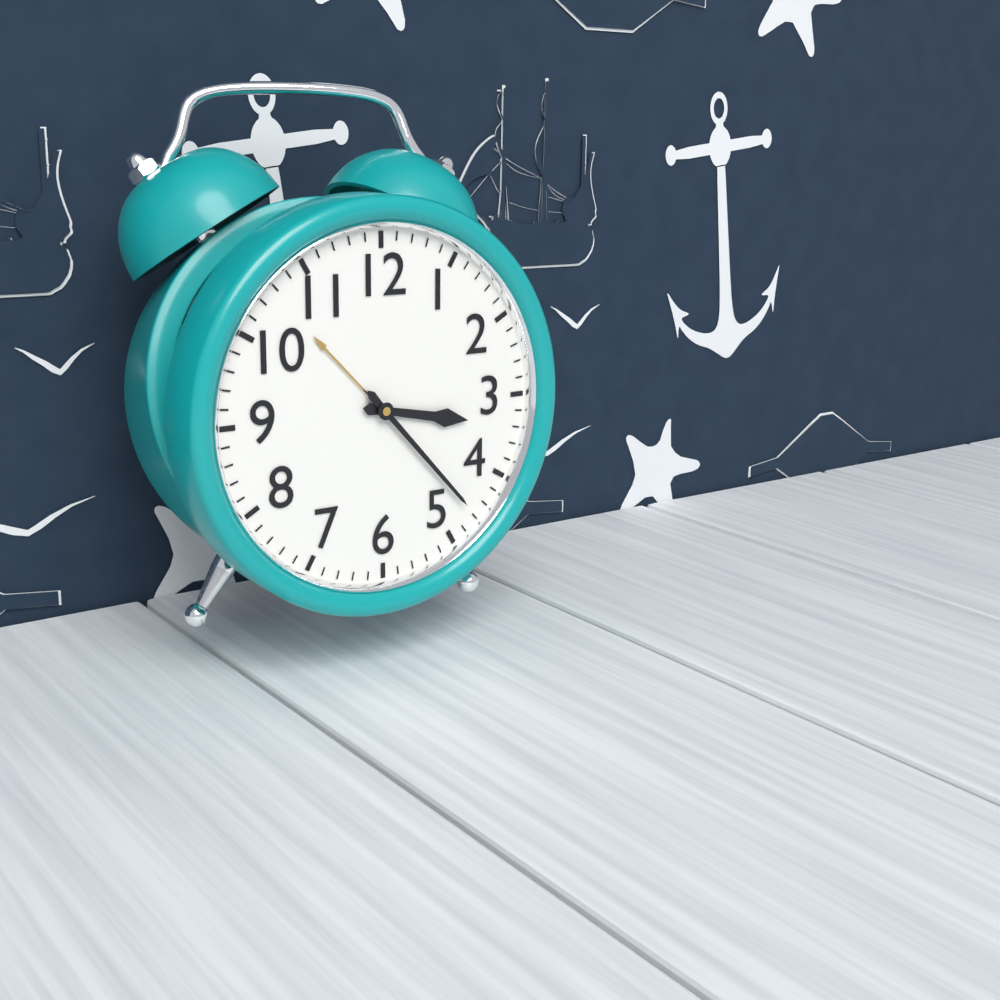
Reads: h=3 m=23
